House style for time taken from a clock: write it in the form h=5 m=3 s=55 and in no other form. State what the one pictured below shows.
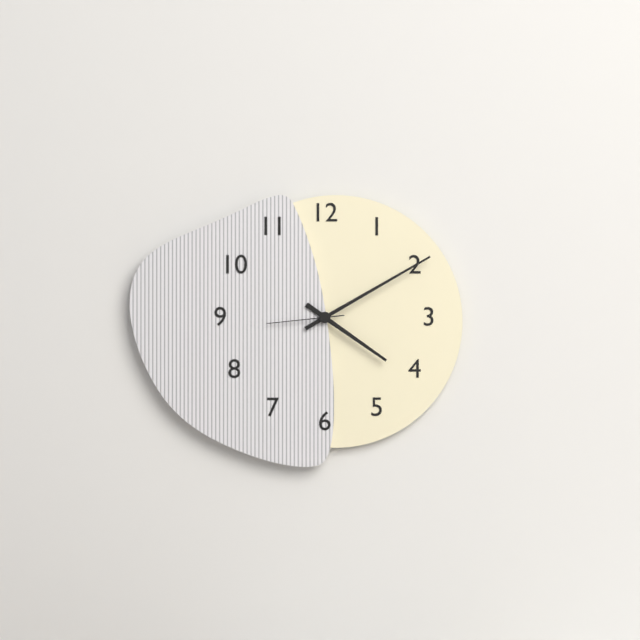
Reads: h=4 m=10 s=44
